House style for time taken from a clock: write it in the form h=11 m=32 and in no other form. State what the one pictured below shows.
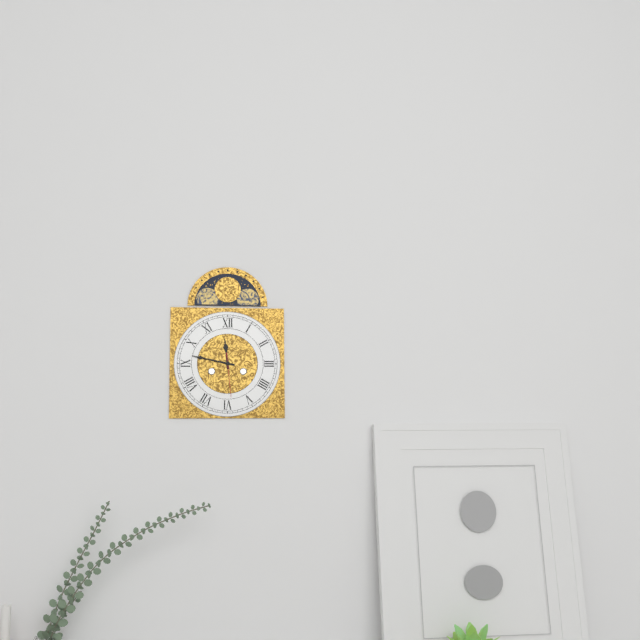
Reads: h=11 m=47
